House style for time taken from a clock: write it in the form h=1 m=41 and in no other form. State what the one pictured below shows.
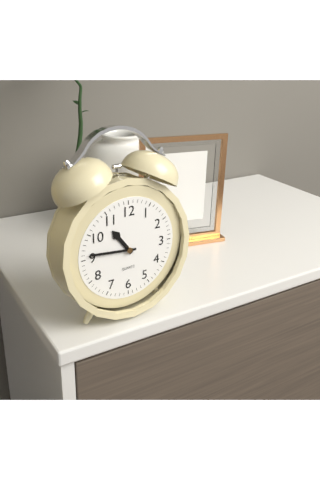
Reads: h=10 m=46
